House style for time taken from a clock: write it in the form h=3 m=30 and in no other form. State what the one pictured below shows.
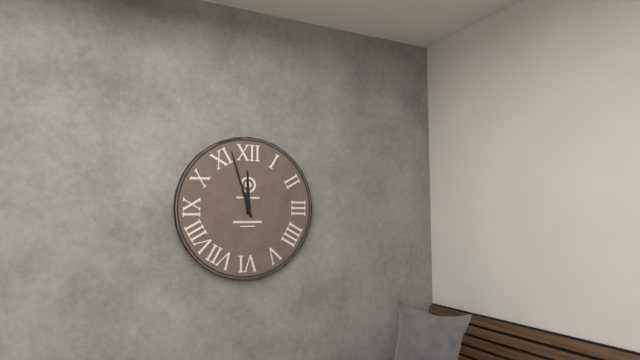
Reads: h=11 m=57
